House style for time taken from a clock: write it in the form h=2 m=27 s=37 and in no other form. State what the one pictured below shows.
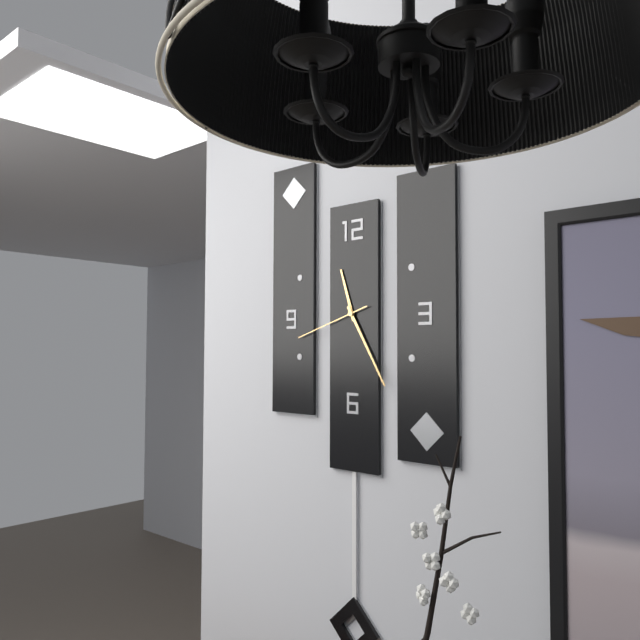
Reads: h=11 m=25 s=42
